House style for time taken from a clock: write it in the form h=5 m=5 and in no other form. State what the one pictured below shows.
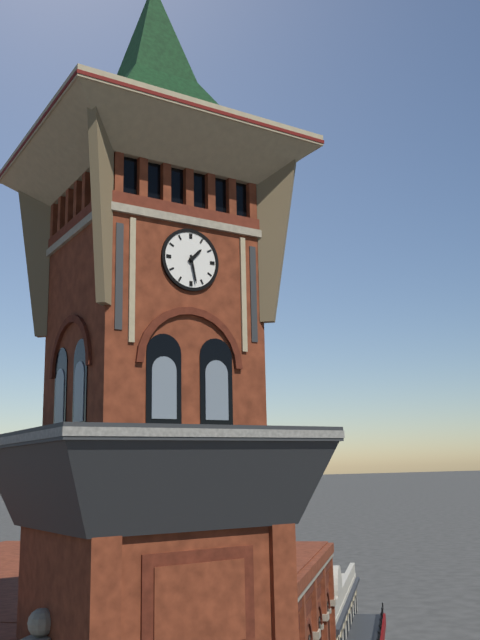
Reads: h=1 m=28
